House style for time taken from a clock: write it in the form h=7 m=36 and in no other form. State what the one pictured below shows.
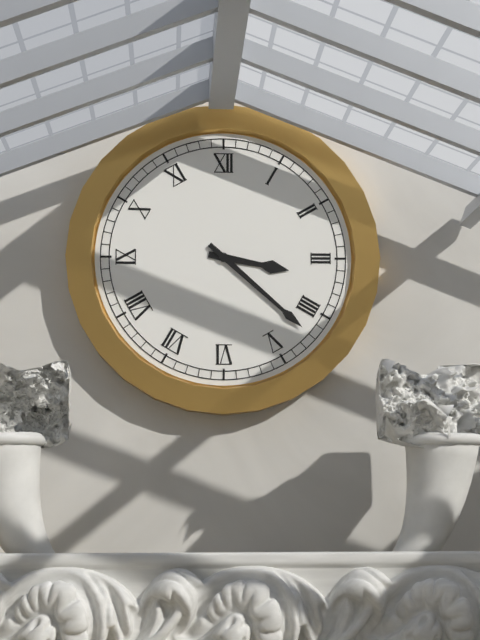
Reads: h=3 m=22
